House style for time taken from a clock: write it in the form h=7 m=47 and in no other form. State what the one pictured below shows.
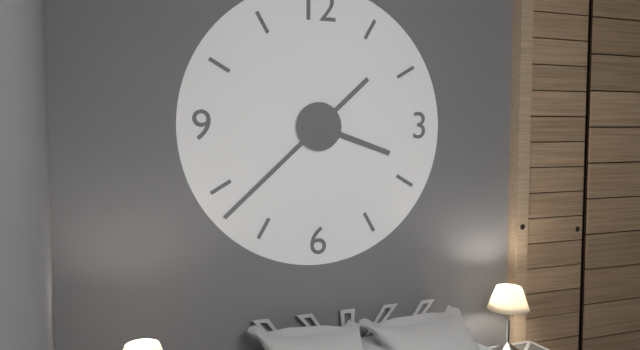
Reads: h=3 m=38
